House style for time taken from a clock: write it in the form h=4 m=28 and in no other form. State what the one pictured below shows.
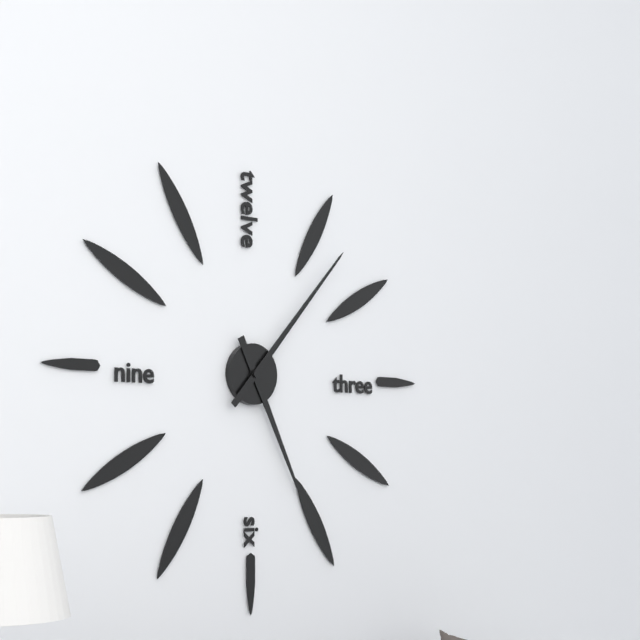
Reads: h=5 m=7
